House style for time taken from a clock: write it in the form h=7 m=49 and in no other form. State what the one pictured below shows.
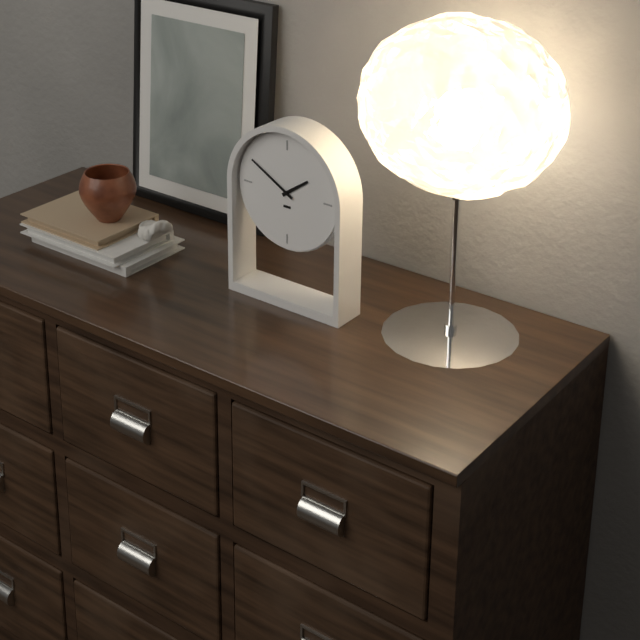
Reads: h=1 m=50
